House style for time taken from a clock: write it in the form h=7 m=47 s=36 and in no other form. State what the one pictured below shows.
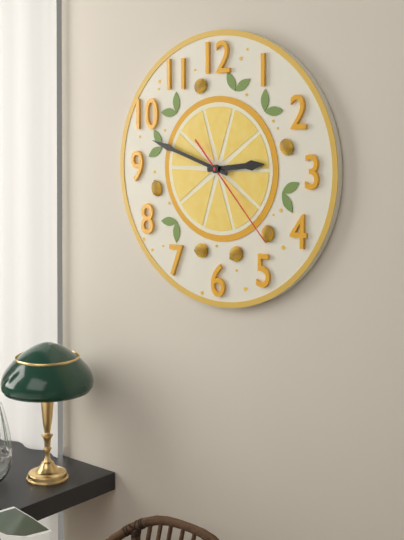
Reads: h=2 m=48 s=23
